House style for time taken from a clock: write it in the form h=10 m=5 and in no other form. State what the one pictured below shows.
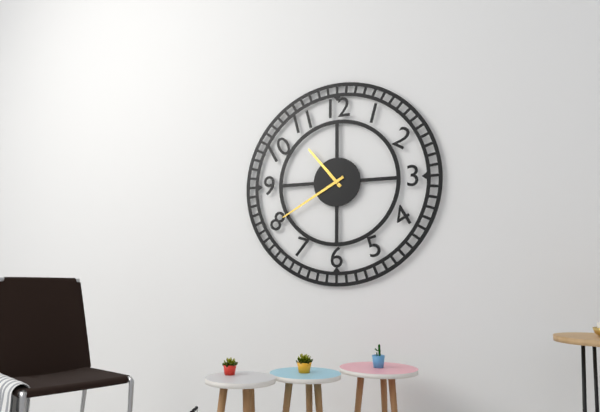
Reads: h=10 m=40
